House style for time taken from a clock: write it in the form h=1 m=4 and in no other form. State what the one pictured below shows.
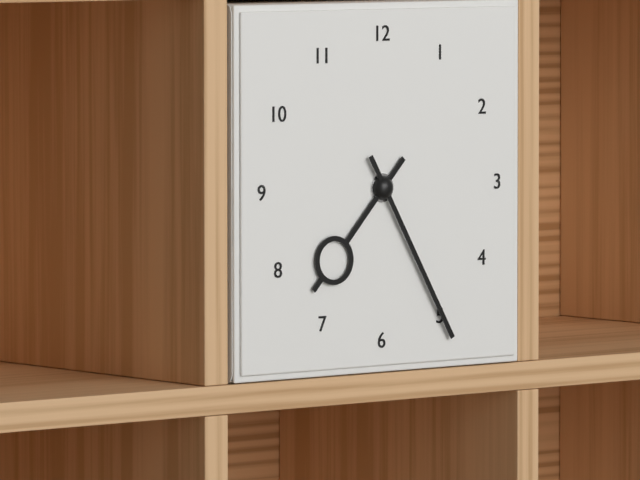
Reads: h=7 m=25
